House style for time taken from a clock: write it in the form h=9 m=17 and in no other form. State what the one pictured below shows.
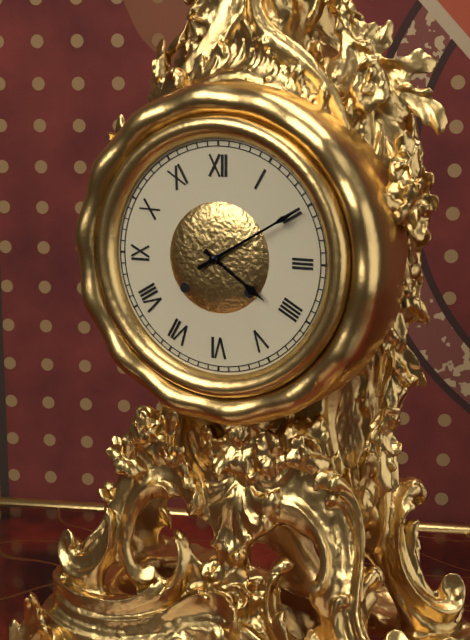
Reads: h=4 m=10
